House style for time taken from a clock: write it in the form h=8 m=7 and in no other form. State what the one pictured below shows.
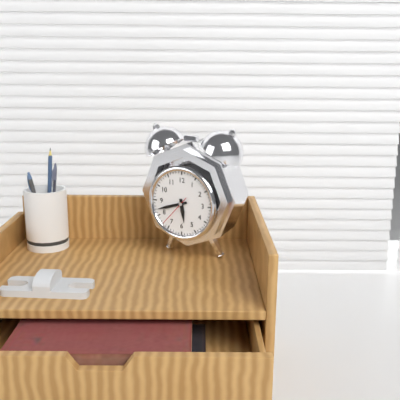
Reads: h=5 m=42
